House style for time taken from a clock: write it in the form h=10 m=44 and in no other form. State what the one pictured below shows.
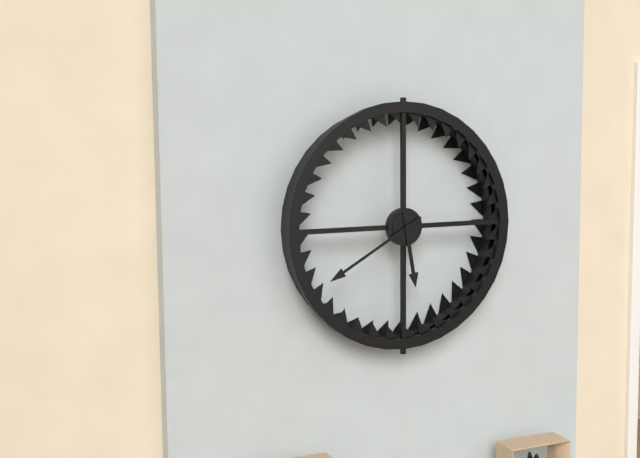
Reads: h=5 m=40
